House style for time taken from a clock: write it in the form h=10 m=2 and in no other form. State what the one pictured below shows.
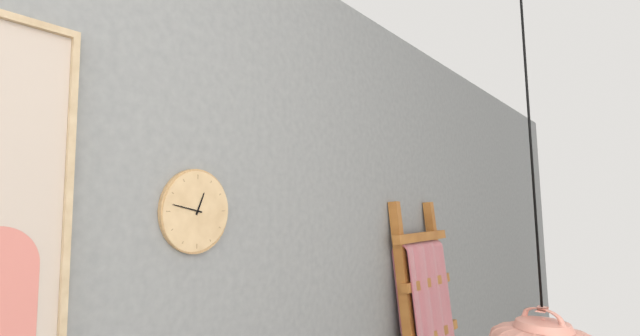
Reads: h=12 m=47
